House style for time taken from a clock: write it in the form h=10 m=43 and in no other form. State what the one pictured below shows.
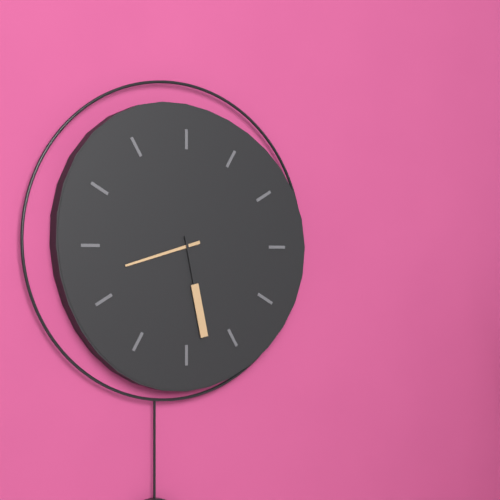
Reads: h=8 m=28
